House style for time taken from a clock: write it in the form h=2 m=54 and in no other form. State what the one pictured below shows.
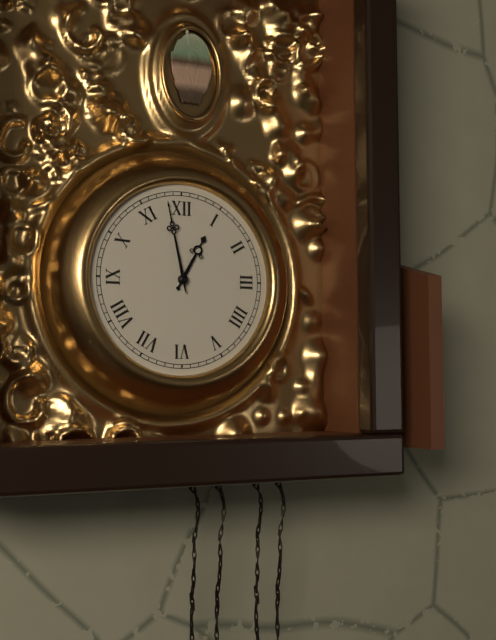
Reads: h=12 m=58
